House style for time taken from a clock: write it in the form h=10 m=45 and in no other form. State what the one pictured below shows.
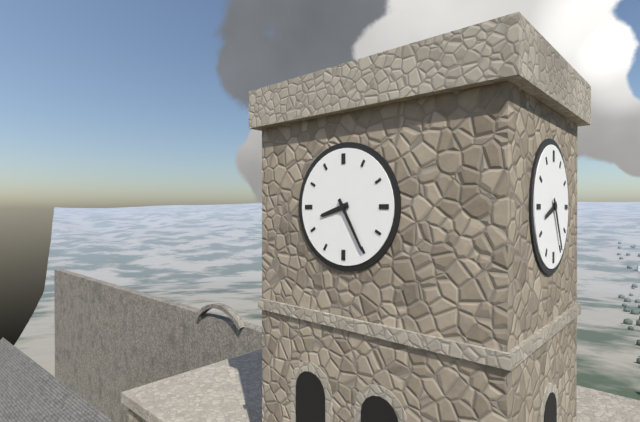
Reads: h=8 m=25
